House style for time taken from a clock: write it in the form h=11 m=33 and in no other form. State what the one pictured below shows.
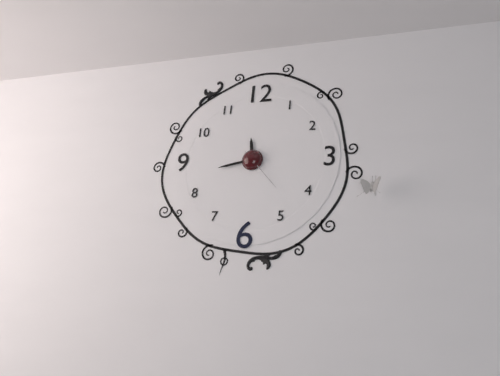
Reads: h=11 m=43
